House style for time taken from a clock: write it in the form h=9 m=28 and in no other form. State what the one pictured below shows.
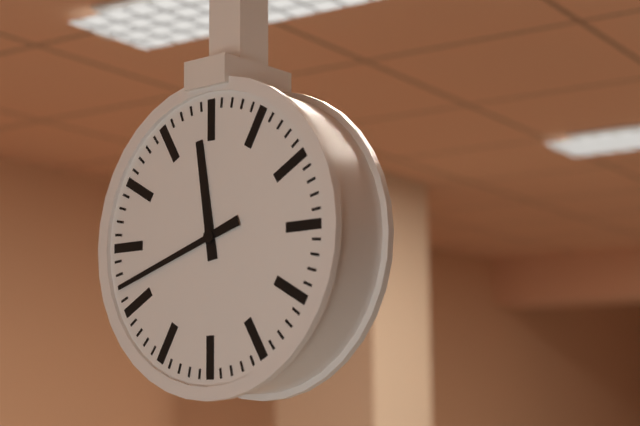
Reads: h=11 m=42
